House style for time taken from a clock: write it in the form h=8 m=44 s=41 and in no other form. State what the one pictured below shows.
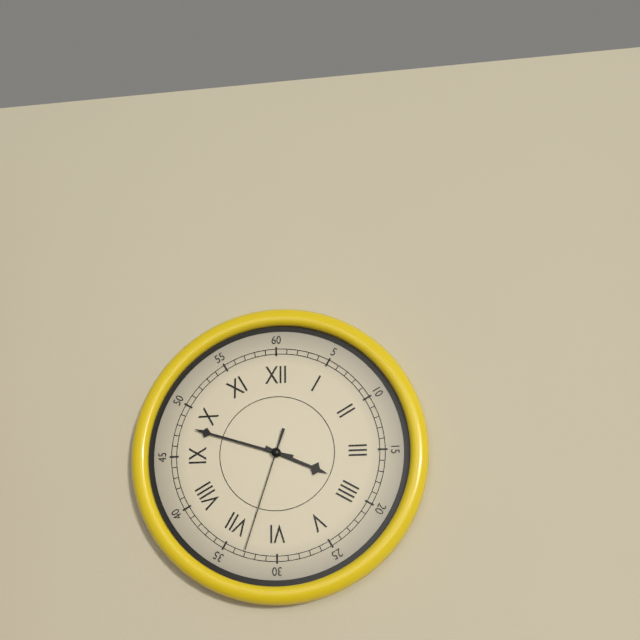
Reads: h=3 m=48 s=33
